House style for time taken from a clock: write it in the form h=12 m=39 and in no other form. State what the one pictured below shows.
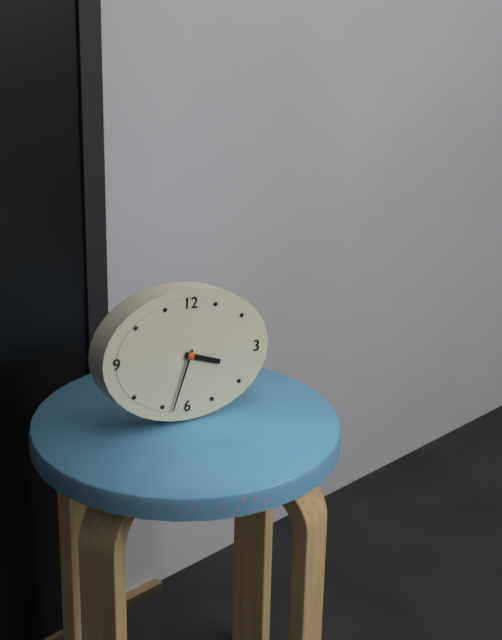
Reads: h=3 m=33
